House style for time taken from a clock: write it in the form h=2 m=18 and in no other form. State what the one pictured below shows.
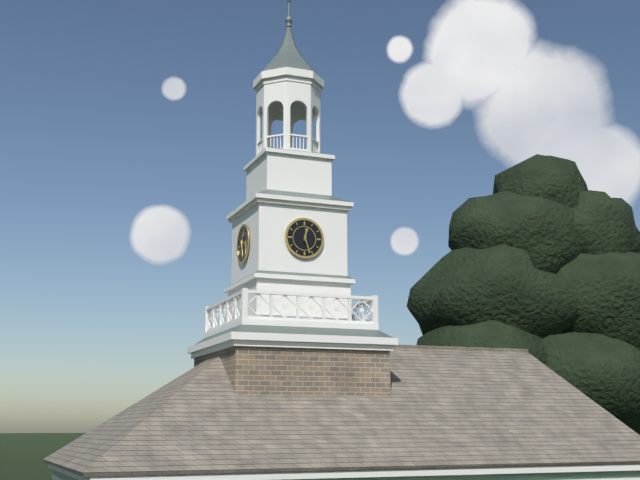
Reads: h=12 m=27
